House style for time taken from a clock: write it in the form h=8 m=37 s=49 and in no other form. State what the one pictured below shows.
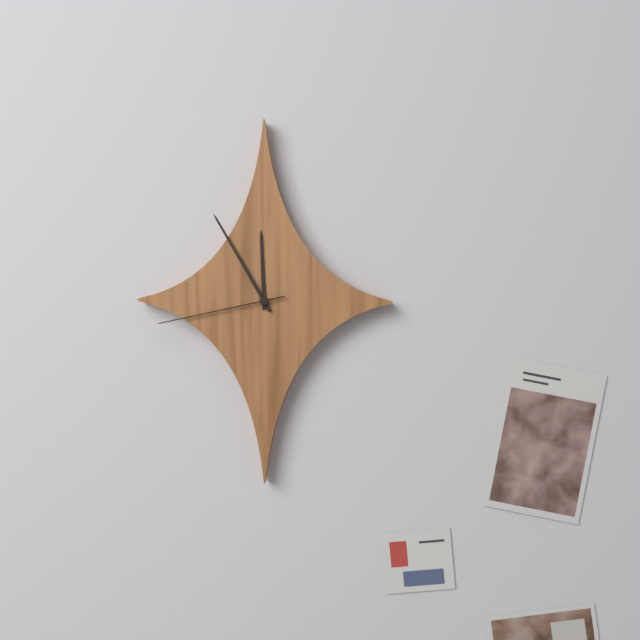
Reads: h=11 m=55 s=43
